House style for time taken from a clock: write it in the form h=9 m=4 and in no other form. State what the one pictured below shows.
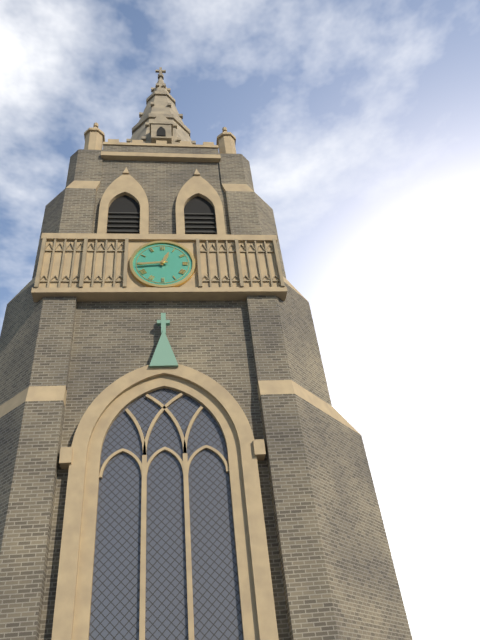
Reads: h=12 m=44
